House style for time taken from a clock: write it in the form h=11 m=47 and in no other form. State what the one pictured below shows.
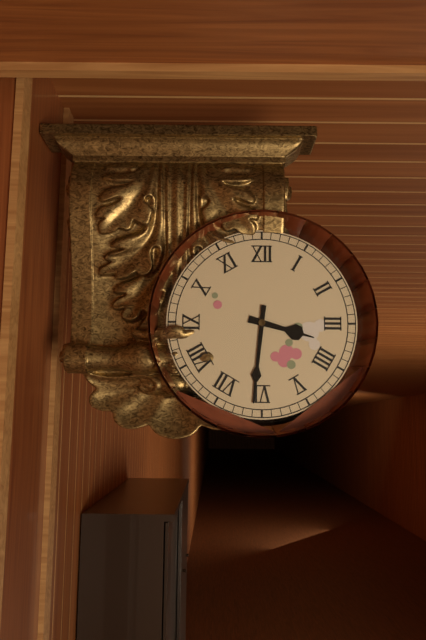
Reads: h=3 m=31
